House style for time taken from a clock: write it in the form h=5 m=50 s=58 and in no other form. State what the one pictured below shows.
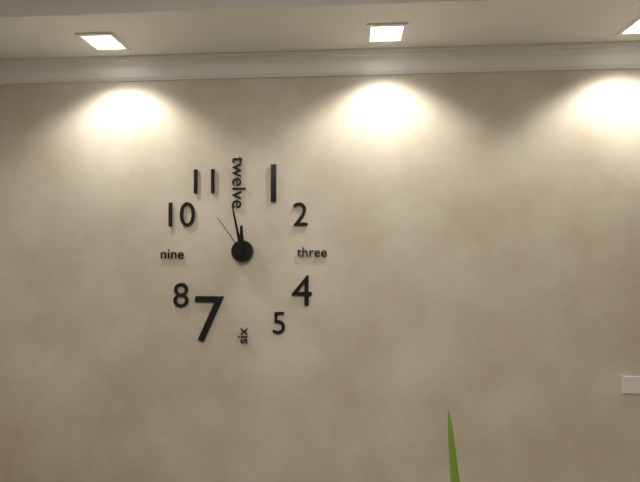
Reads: h=11 m=58 s=54
